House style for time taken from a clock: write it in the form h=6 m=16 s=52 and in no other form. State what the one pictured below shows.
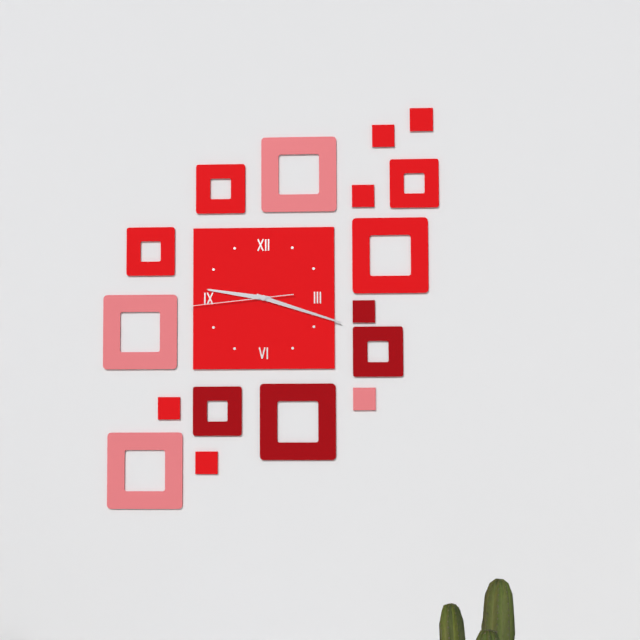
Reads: h=9 m=18 s=44
